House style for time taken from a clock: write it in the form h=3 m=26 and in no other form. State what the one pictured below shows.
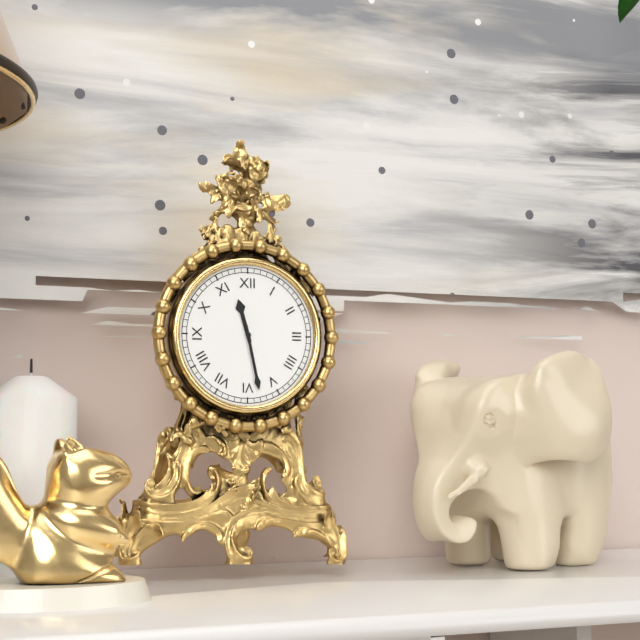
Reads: h=11 m=28
